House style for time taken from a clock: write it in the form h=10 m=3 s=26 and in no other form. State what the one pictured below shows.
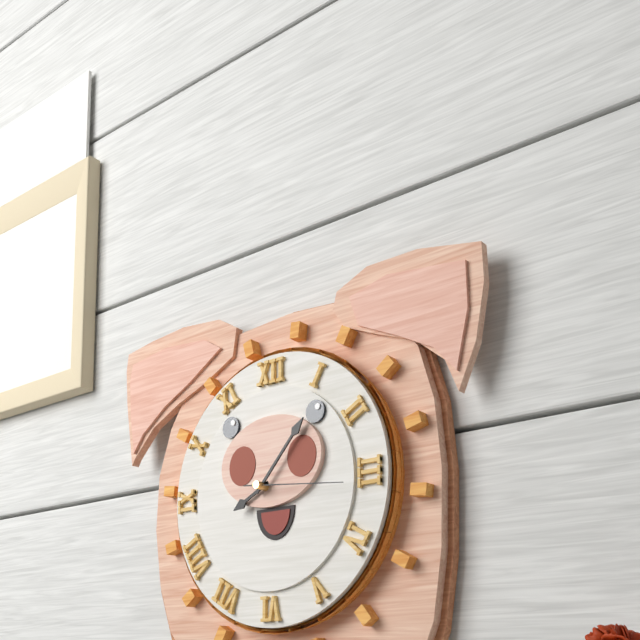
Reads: h=8 m=7 s=16
